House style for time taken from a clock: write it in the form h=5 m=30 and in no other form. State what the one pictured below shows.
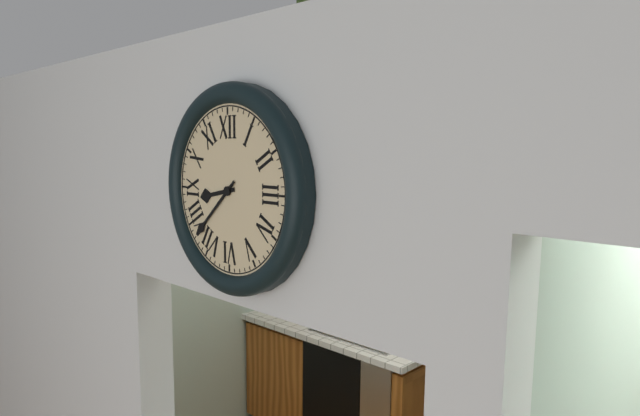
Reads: h=8 m=38
